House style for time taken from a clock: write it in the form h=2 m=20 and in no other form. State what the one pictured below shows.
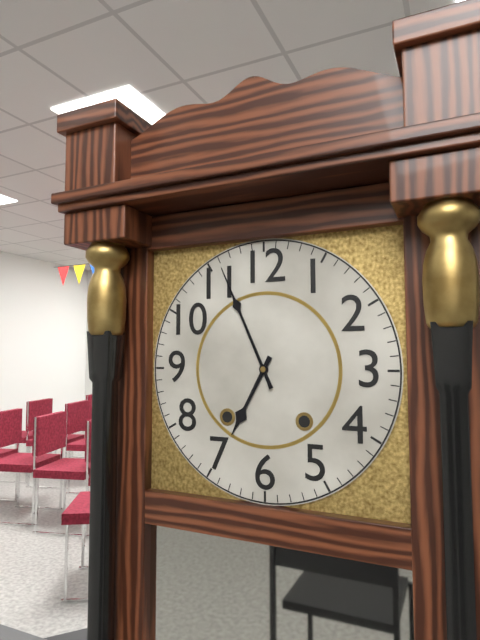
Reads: h=6 m=56
